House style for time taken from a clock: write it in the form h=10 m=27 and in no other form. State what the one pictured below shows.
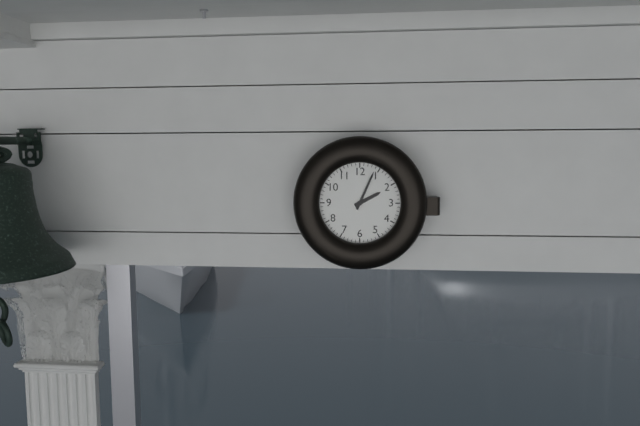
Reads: h=2 m=4
